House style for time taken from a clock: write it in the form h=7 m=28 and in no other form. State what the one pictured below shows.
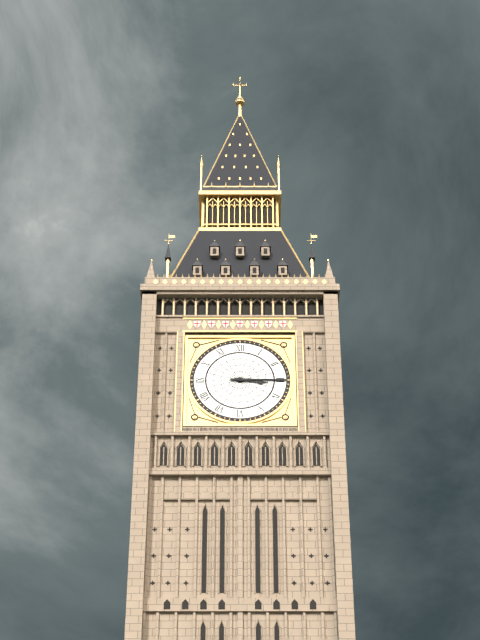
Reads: h=3 m=15
